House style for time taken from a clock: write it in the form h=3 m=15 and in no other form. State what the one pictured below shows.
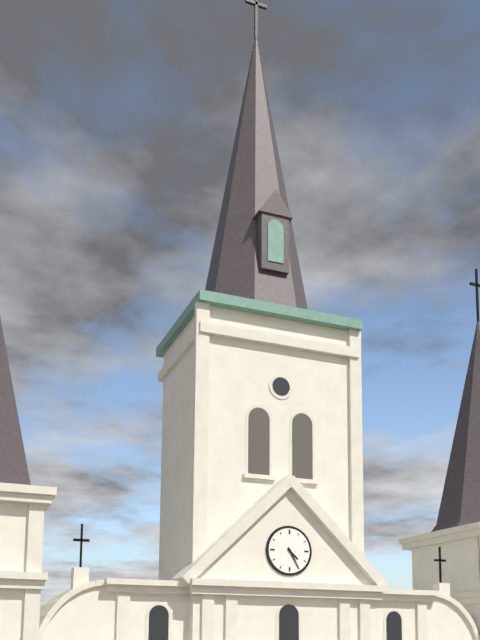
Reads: h=4 m=25
